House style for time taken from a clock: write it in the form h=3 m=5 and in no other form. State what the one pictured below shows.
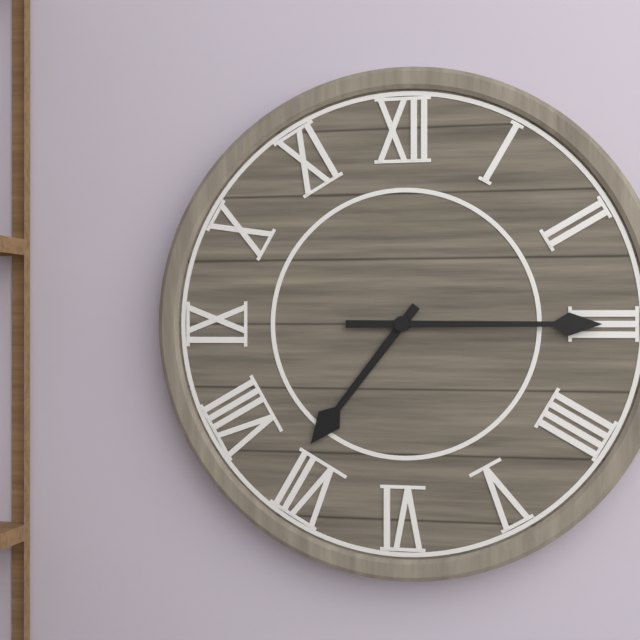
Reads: h=7 m=15
